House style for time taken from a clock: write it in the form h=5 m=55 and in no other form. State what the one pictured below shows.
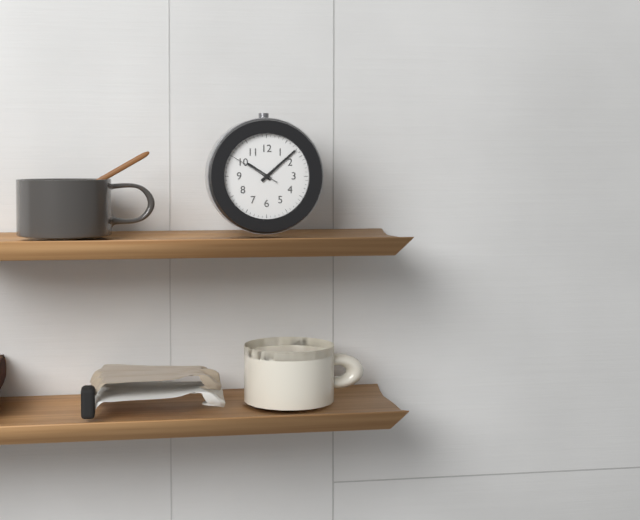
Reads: h=10 m=8
